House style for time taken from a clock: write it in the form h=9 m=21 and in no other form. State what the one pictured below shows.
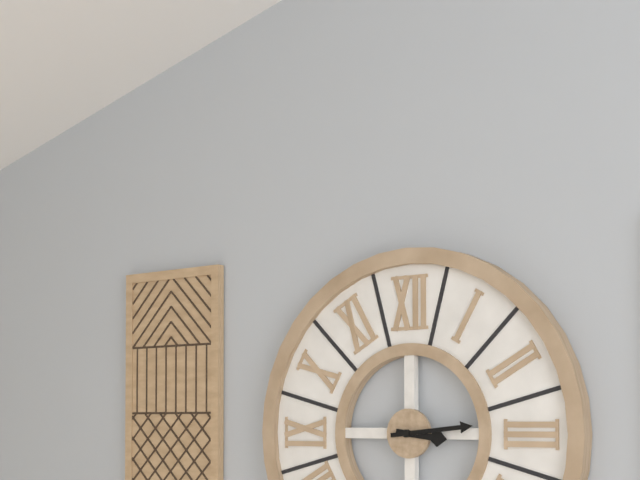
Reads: h=3 m=14
